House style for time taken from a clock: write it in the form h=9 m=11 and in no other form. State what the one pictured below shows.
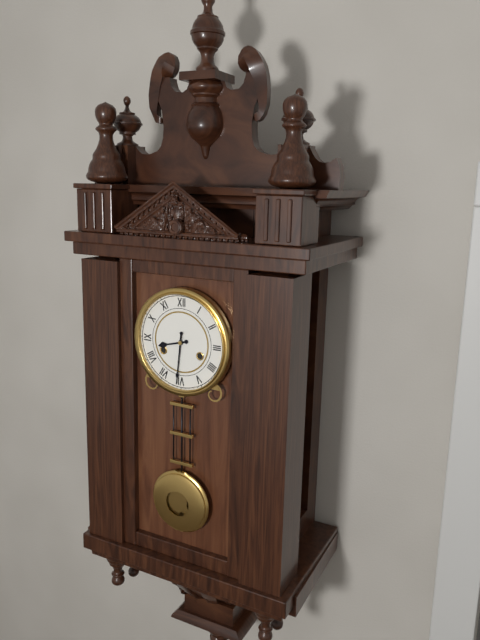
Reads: h=8 m=31
